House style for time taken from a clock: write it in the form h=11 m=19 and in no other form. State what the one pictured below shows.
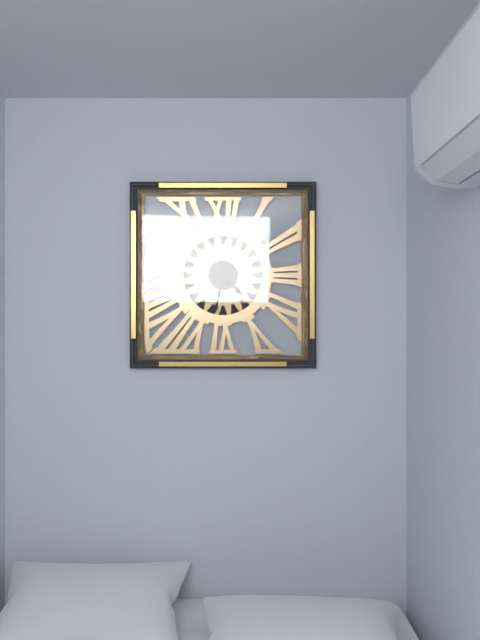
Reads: h=4 m=32
